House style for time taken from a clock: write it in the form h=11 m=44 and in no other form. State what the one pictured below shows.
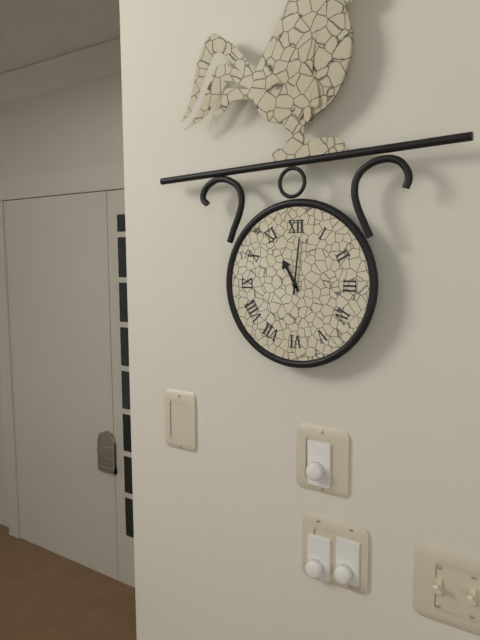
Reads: h=11 m=1
